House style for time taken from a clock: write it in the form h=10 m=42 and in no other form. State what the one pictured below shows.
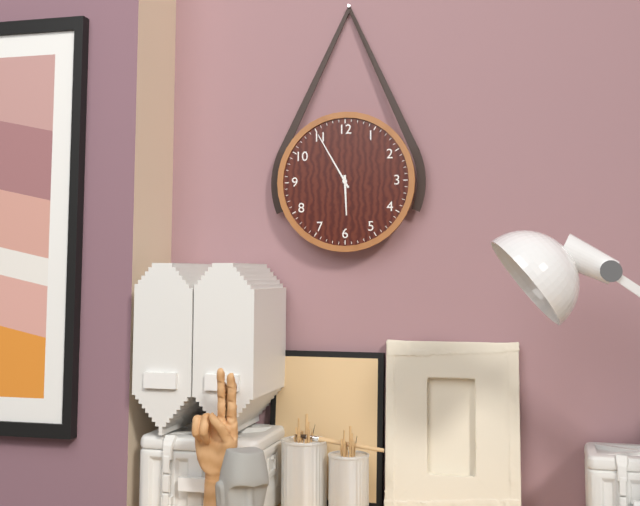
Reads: h=5 m=55
